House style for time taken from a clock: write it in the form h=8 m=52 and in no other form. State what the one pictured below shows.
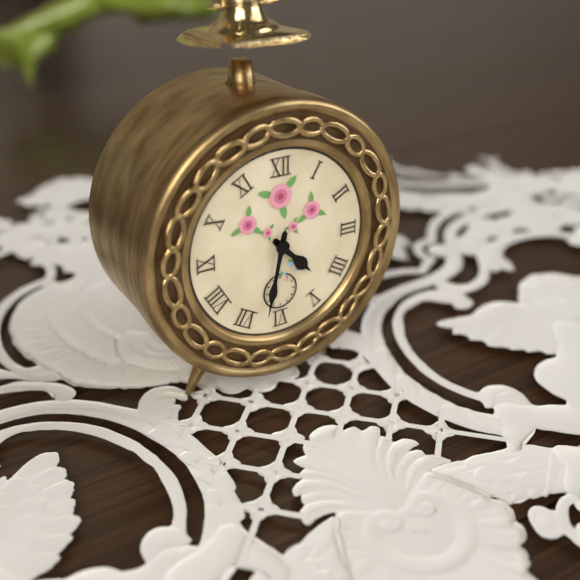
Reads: h=4 m=32
